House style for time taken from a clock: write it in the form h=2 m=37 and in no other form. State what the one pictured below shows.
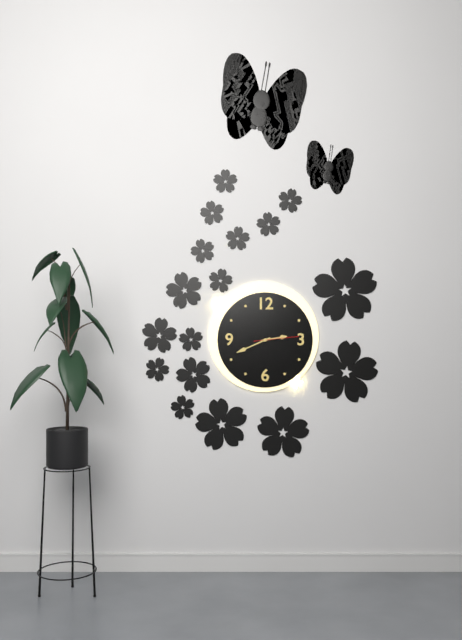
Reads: h=2 m=41
